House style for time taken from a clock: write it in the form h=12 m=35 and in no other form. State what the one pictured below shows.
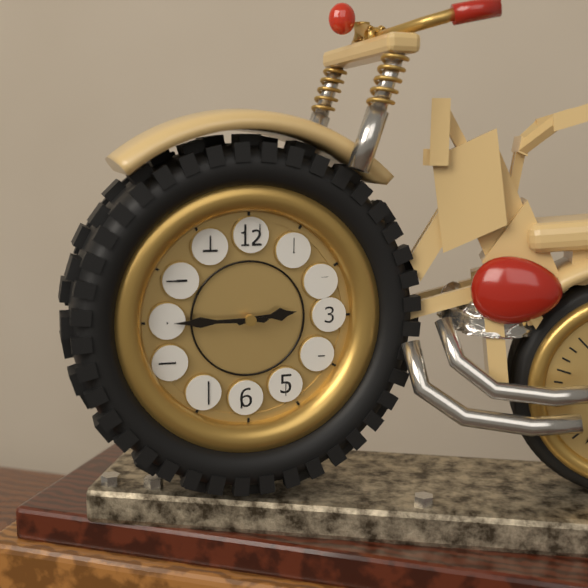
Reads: h=2 m=45
